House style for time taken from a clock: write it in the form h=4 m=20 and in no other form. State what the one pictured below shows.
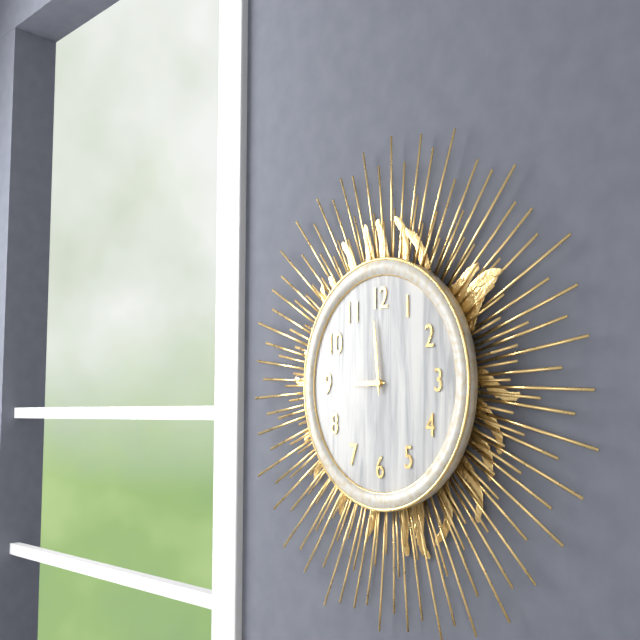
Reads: h=8 m=59
